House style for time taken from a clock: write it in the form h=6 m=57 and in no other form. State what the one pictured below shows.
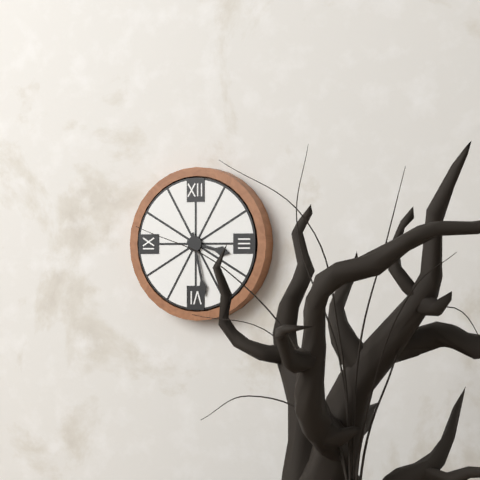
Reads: h=3 m=28
